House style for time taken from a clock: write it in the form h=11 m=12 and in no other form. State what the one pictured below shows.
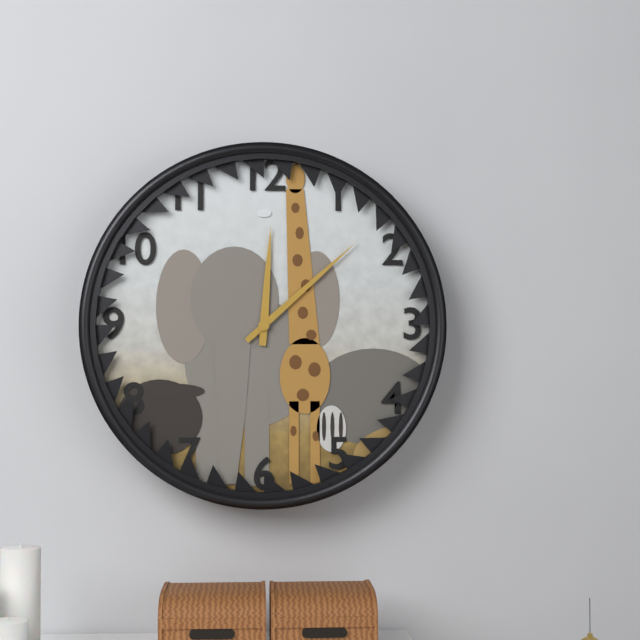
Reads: h=12 m=8
